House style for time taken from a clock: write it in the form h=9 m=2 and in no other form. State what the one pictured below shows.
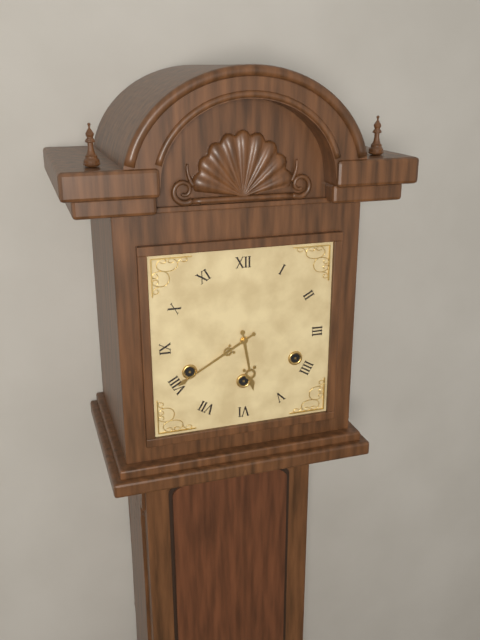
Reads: h=5 m=40
